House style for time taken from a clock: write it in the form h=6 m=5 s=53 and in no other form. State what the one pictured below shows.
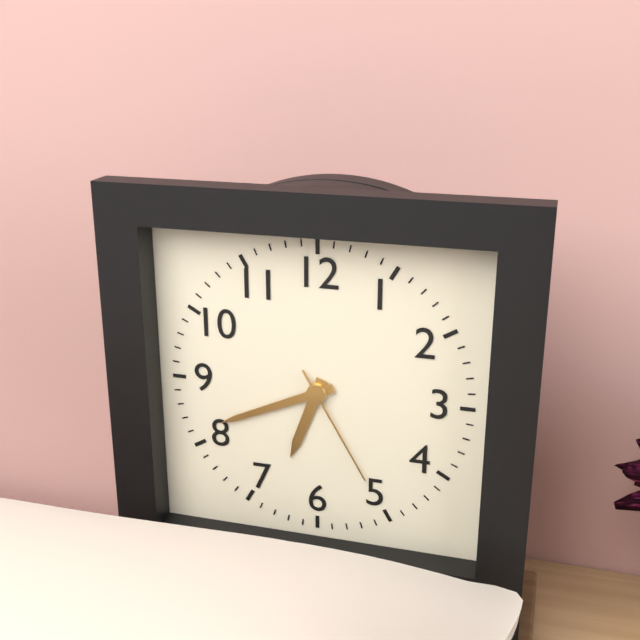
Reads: h=6 m=41 s=25
